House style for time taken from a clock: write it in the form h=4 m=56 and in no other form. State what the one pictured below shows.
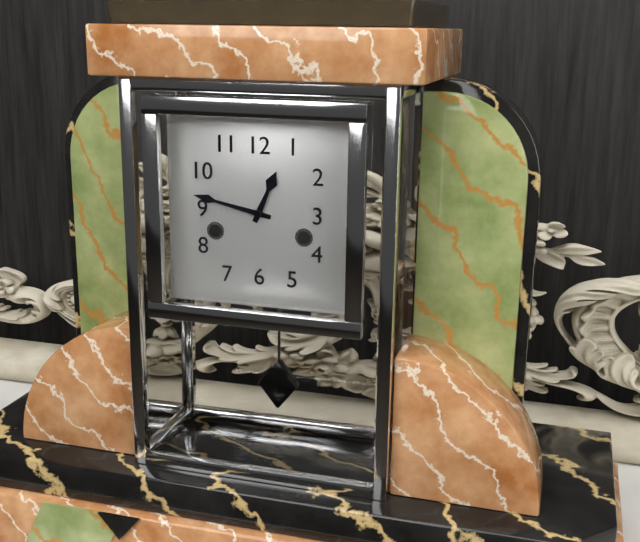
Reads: h=12 m=47
